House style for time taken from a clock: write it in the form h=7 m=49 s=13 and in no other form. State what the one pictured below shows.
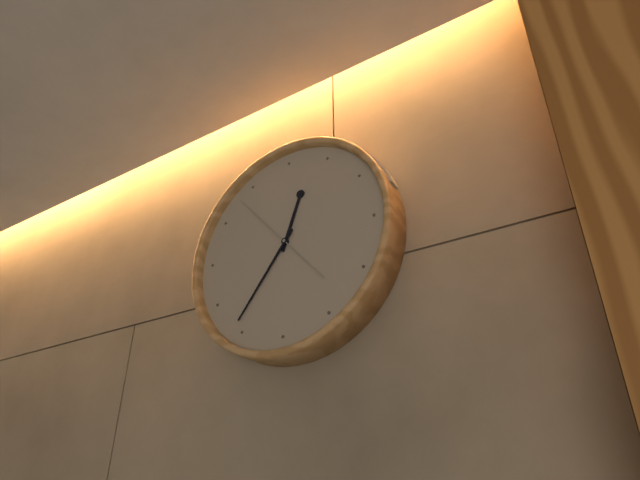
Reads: h=12 m=36 s=53
